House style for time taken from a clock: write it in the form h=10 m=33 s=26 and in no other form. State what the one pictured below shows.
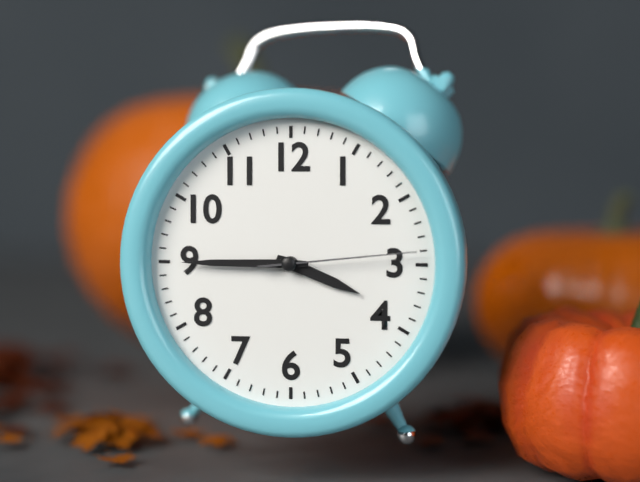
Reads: h=3 m=45 s=14
